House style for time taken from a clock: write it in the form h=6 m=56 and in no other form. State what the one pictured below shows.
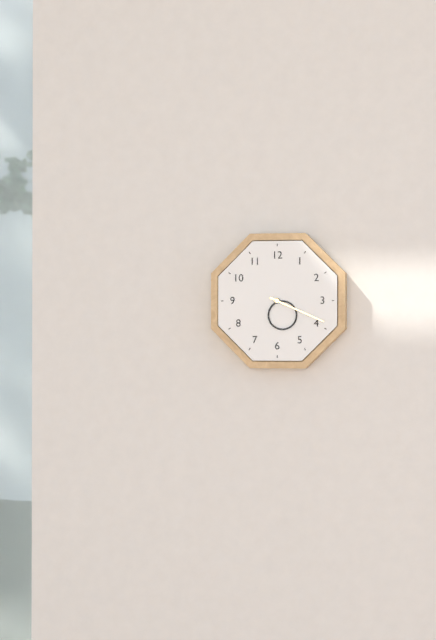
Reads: h=5 m=19
